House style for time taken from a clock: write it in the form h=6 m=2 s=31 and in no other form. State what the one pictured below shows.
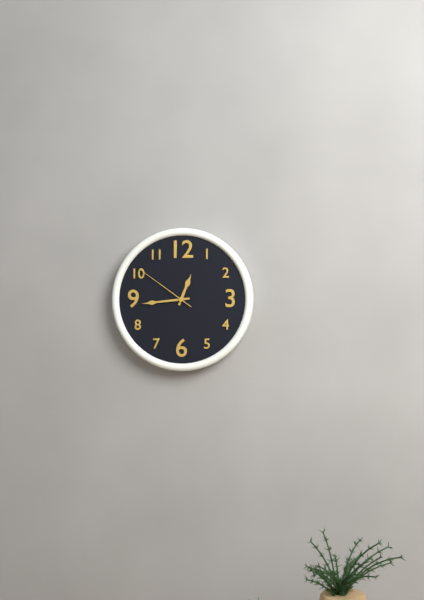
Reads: h=12 m=44 s=51
